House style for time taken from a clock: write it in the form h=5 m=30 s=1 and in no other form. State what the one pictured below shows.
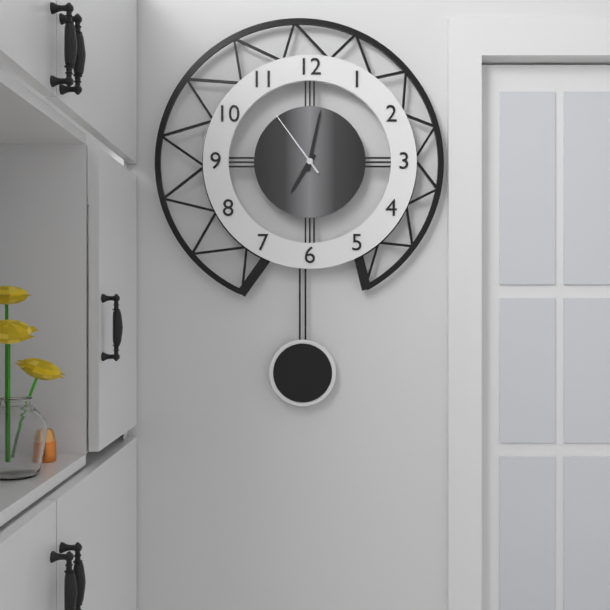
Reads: h=7 m=2 s=54
